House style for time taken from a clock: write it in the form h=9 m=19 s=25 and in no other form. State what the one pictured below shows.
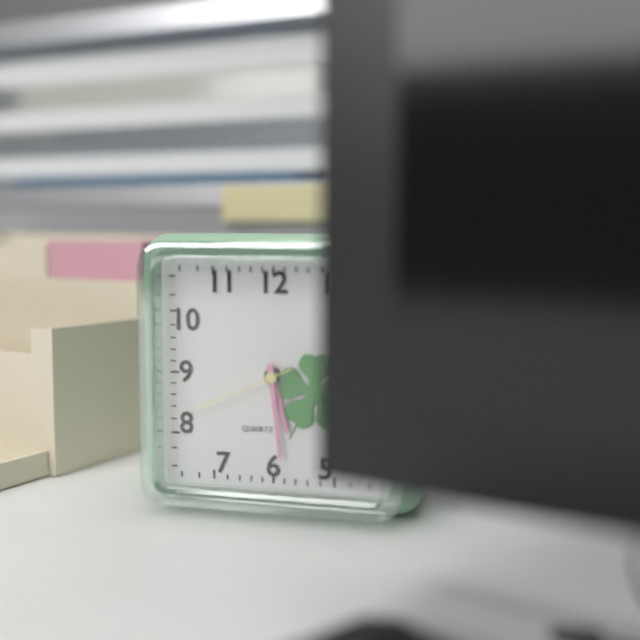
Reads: h=5 m=29 s=41
